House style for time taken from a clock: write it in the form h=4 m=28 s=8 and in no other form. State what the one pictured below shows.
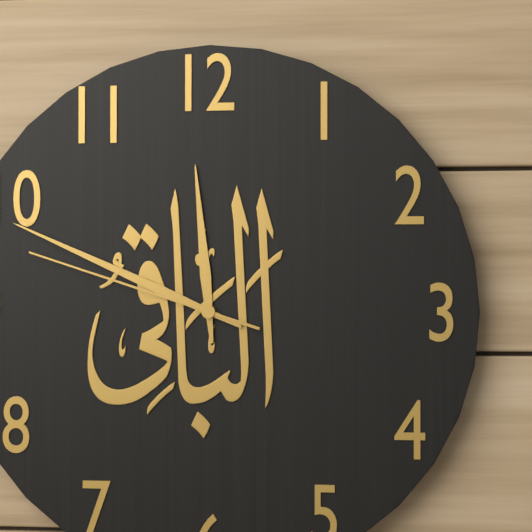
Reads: h=11 m=49 s=48
